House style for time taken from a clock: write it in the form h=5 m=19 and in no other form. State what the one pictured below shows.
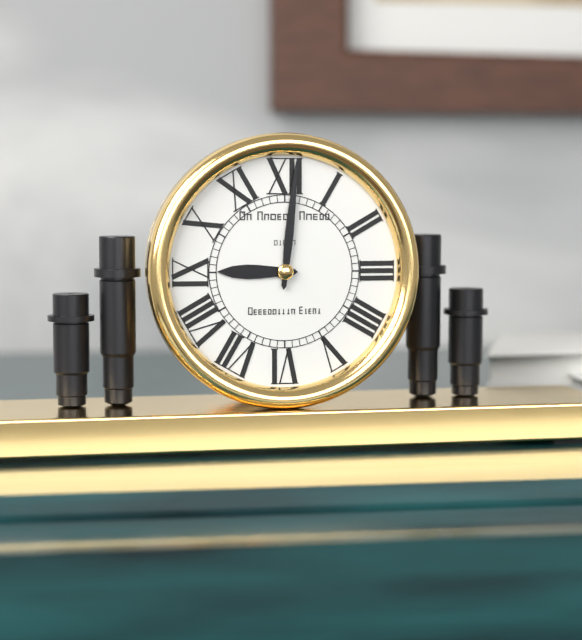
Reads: h=9 m=1
